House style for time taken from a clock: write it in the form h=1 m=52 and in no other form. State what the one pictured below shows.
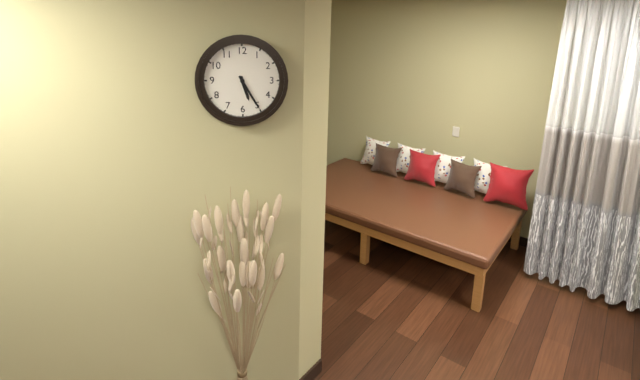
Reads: h=5 m=25
